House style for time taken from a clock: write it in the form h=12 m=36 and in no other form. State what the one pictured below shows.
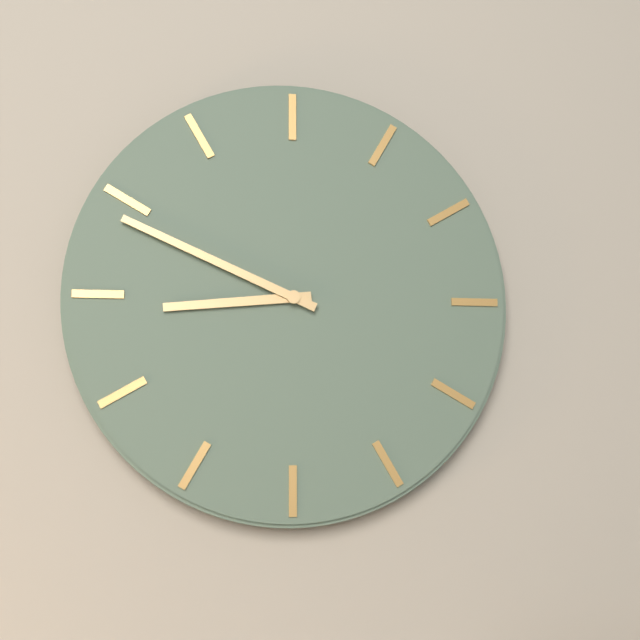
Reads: h=8 m=49
